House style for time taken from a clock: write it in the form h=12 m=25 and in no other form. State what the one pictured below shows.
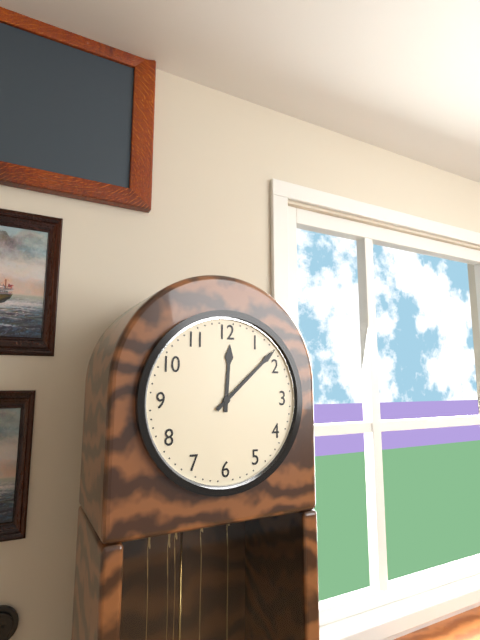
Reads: h=12 m=8
